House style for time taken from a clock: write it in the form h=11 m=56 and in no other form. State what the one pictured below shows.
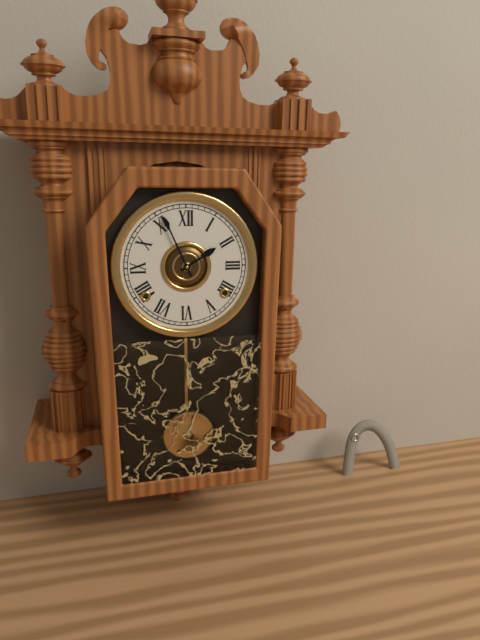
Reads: h=1 m=56
